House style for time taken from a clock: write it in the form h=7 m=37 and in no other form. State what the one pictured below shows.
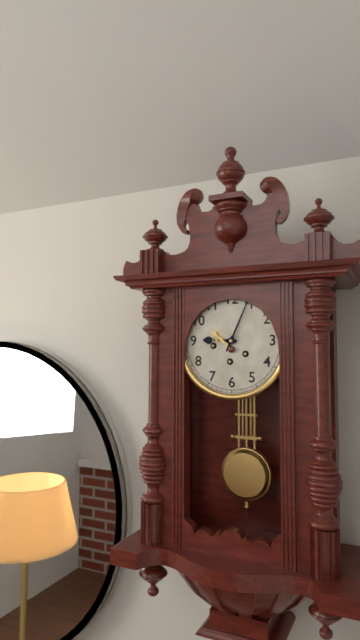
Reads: h=9 m=4
